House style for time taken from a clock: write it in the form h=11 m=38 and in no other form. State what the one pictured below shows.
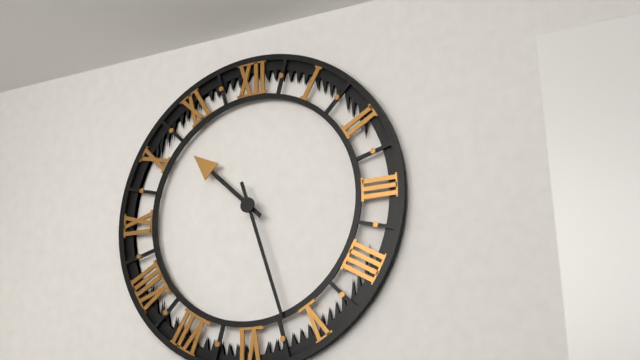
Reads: h=10 m=27
